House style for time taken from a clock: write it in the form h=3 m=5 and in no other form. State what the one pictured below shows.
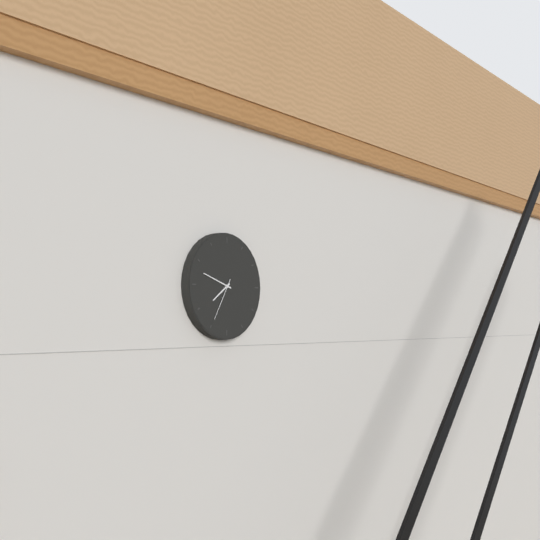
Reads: h=7 m=48
